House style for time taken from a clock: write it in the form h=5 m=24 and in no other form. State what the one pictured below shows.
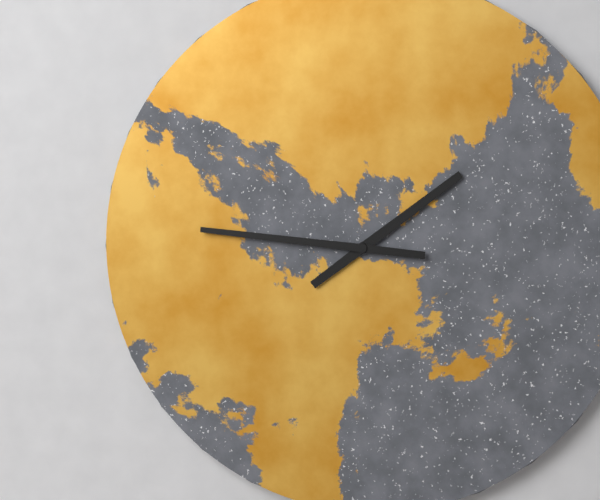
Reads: h=1 m=46
